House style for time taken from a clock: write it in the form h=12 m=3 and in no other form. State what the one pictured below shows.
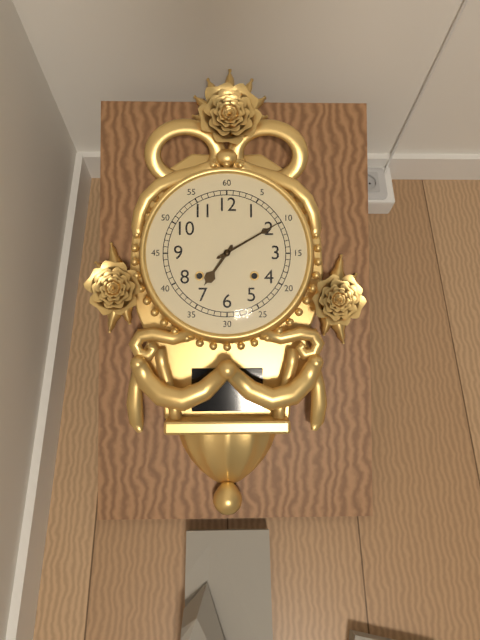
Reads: h=7 m=10
